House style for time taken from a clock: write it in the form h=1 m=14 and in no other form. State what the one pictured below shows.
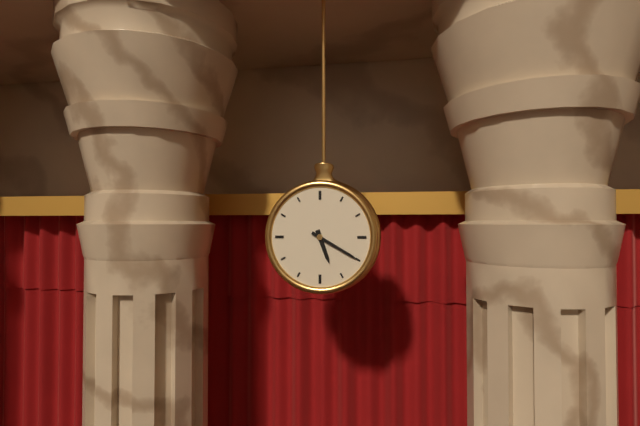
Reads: h=5 m=20
